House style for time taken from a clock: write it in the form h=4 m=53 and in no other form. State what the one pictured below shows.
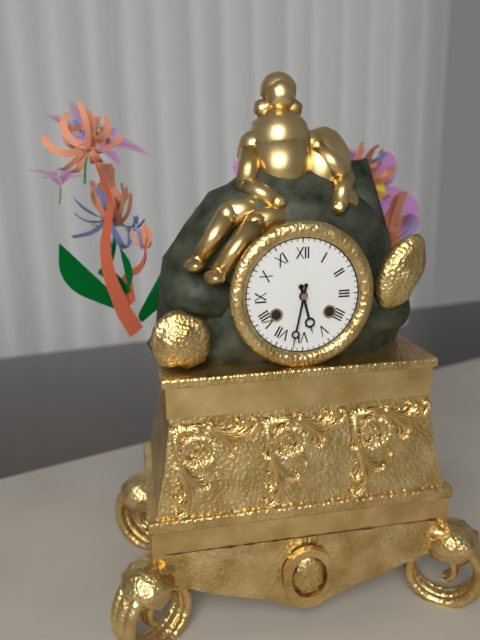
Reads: h=5 m=32
